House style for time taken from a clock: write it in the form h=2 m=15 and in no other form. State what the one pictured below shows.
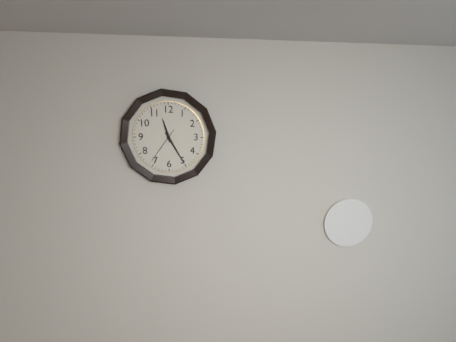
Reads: h=11 m=25
